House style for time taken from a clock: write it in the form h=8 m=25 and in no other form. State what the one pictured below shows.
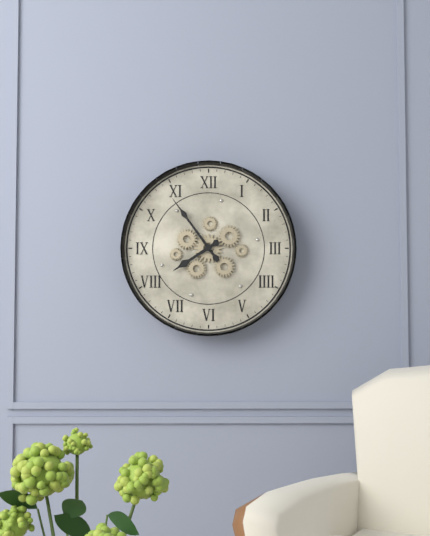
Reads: h=7 m=54
